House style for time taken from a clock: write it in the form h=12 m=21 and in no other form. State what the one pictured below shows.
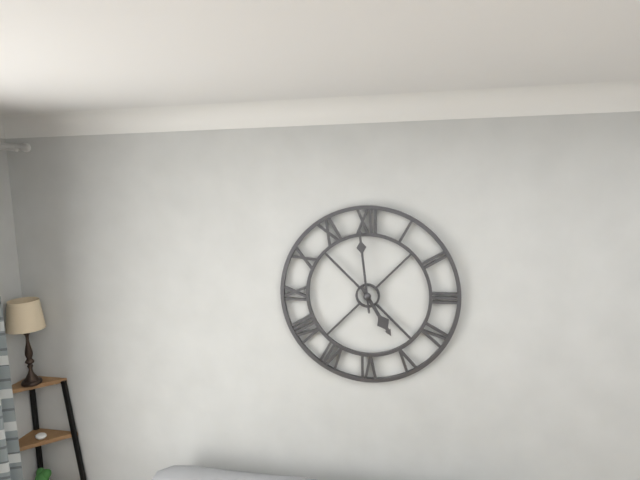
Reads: h=4 m=59
